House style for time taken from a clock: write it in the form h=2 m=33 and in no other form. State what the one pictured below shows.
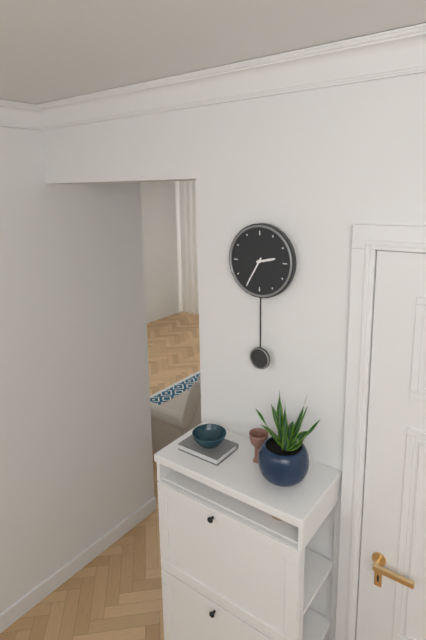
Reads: h=2 m=35
